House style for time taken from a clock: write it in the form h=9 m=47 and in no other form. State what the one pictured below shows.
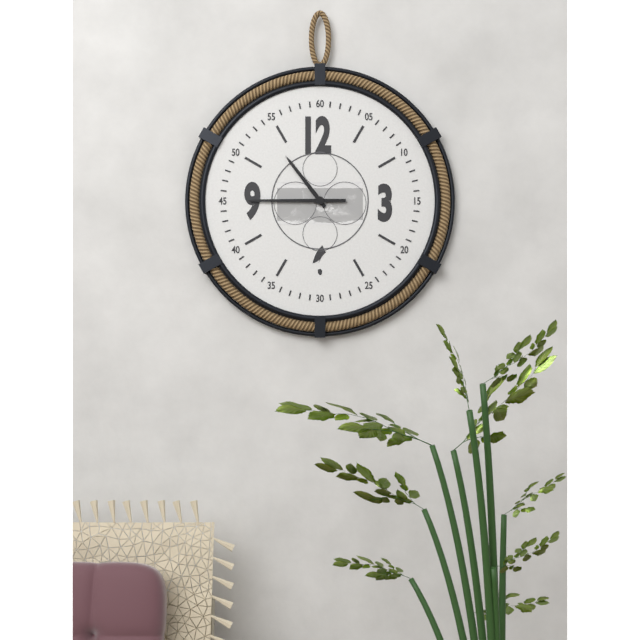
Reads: h=10 m=45
